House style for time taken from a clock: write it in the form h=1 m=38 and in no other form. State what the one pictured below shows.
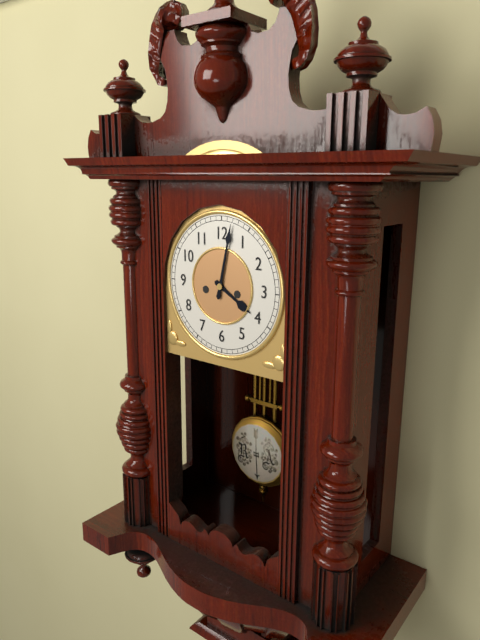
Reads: h=4 m=2
